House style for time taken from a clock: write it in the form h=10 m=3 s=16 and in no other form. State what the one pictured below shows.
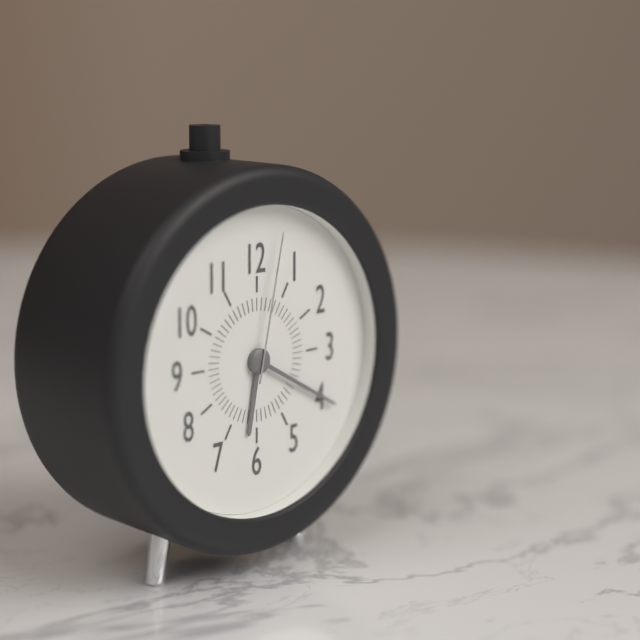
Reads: h=6 m=20 s=2
